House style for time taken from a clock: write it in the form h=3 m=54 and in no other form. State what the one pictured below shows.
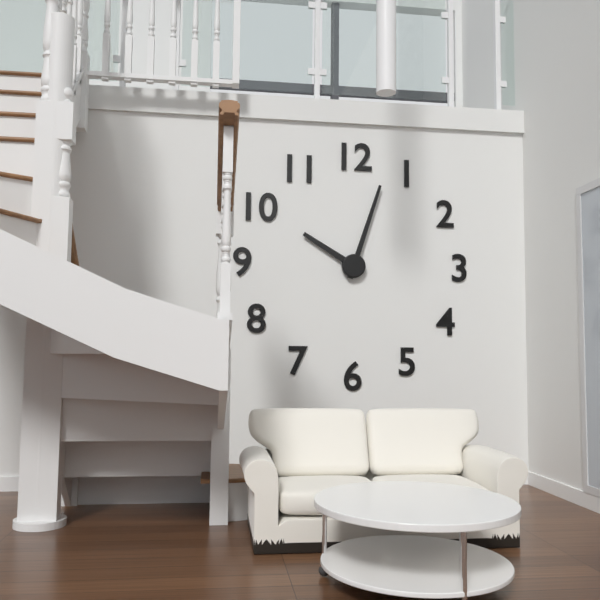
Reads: h=10 m=3
